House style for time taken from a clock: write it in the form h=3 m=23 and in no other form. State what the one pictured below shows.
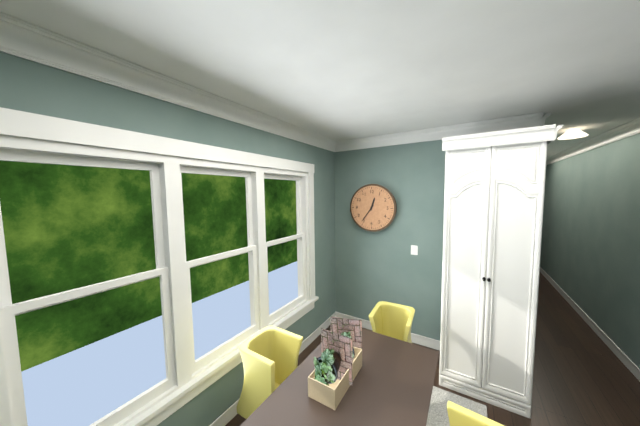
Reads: h=12 m=36
